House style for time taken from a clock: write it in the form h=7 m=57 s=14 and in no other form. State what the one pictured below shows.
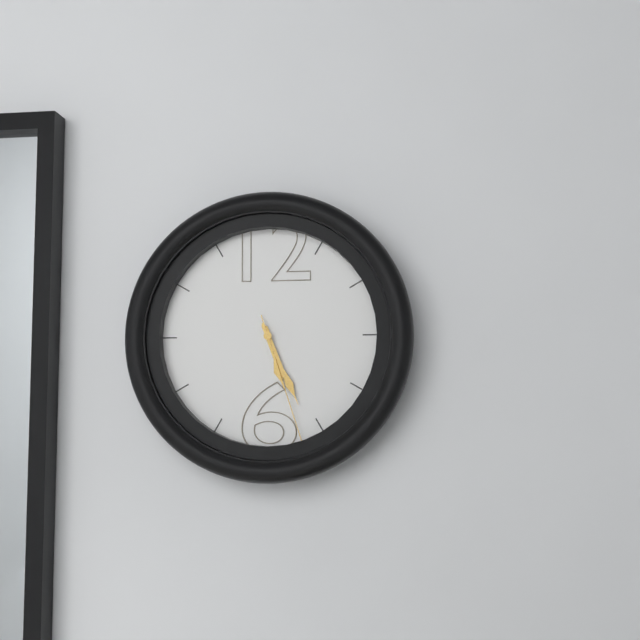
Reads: h=5 m=26 s=27
